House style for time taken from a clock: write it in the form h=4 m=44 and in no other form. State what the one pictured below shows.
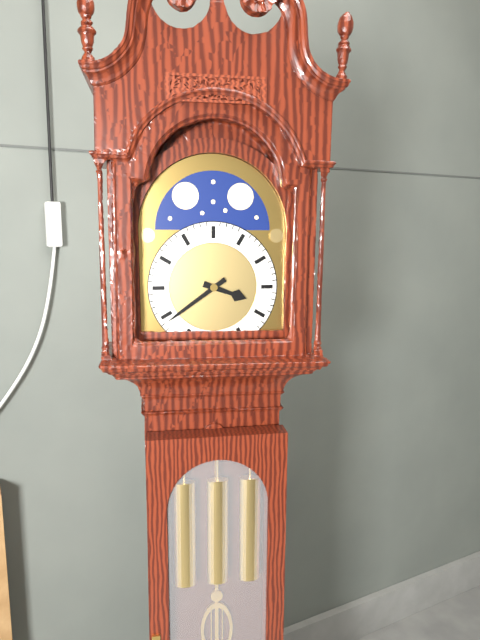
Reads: h=3 m=39
